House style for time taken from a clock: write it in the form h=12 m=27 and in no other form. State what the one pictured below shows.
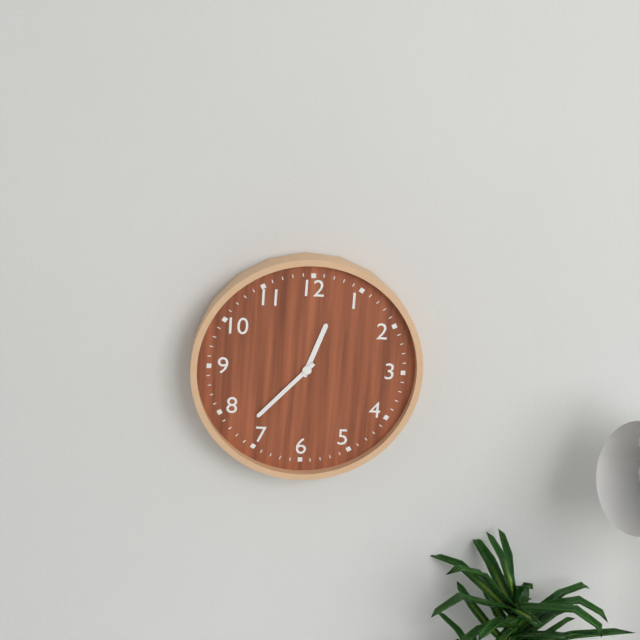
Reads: h=12 m=37
